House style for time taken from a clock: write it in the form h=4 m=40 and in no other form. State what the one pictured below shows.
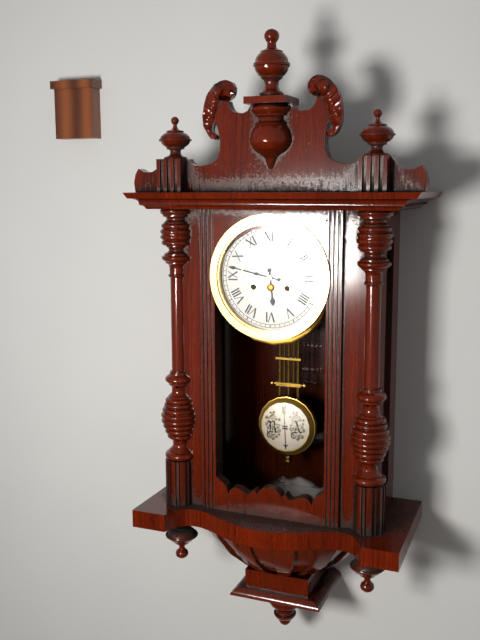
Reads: h=5 m=47
